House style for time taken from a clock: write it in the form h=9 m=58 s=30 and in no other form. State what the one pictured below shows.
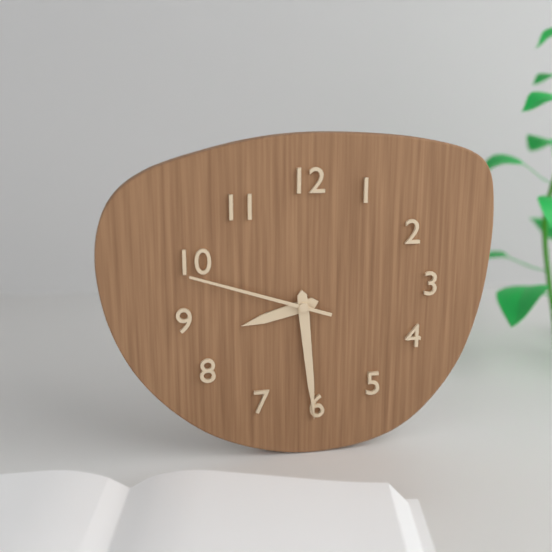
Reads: h=8 m=29 s=48
